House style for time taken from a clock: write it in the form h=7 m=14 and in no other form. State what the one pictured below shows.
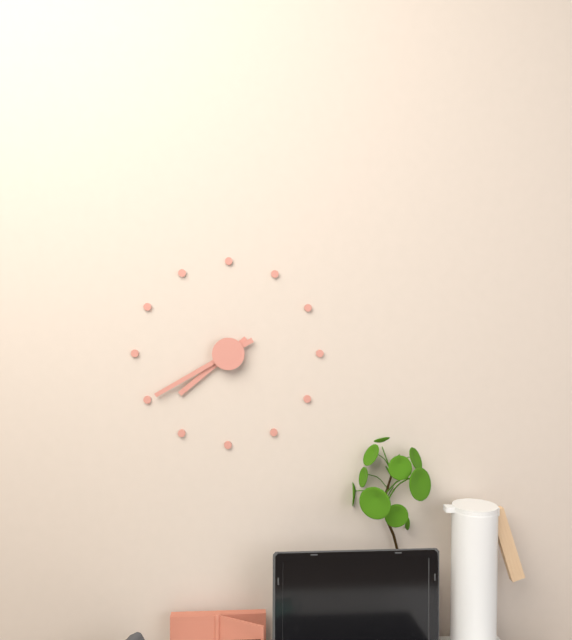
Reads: h=7 m=40
